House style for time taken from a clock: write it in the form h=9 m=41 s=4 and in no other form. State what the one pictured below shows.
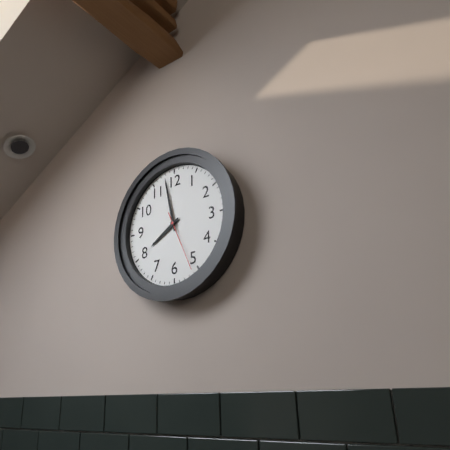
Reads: h=7 m=58 s=26
